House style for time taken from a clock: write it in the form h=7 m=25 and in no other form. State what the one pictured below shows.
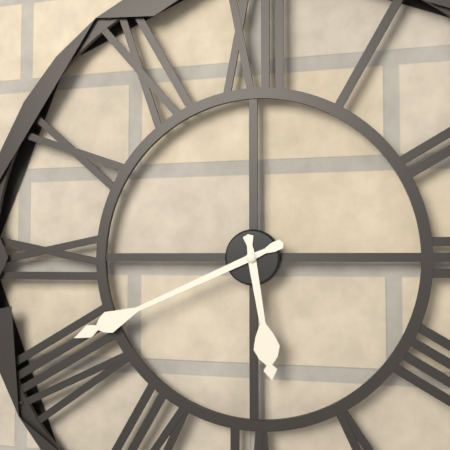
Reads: h=5 m=41
